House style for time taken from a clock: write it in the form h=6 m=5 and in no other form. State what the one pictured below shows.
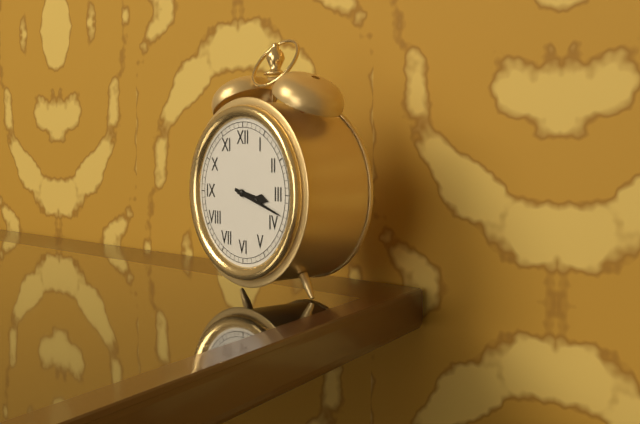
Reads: h=3 m=18
